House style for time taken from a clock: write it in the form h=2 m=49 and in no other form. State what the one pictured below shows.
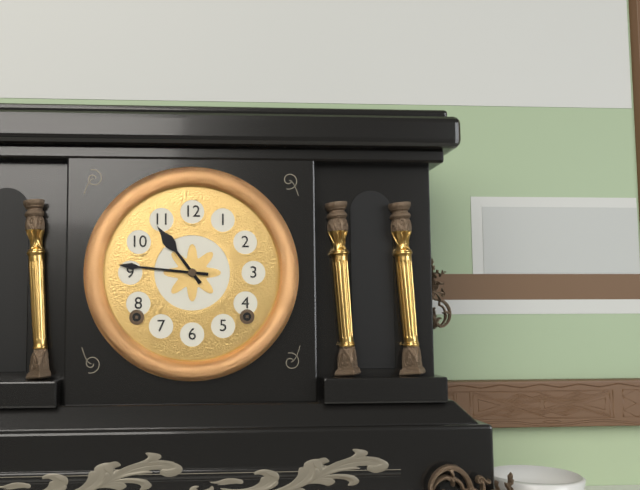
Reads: h=10 m=46
